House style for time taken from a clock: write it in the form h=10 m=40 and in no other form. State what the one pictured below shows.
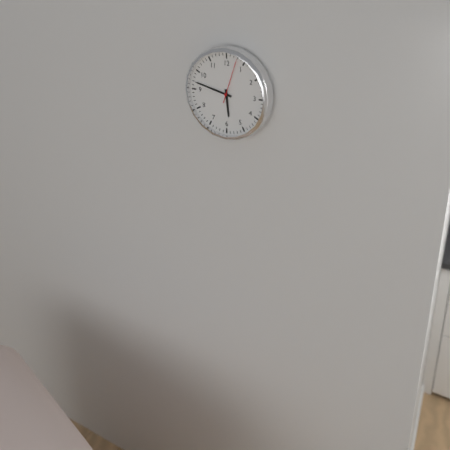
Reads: h=5 m=47
